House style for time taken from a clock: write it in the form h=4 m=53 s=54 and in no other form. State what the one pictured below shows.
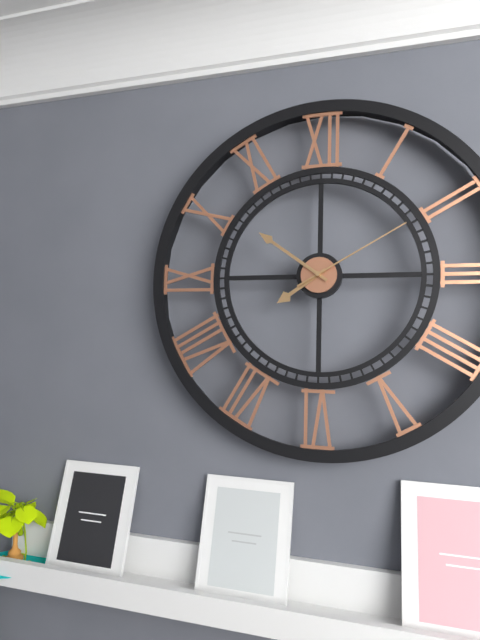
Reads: h=7 m=51 s=10
